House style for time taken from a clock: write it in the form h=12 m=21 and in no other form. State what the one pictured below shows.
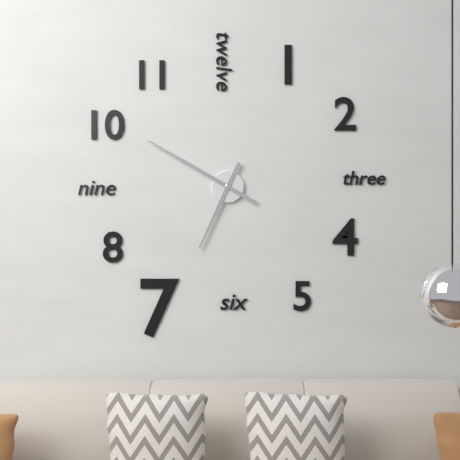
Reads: h=6 m=50
